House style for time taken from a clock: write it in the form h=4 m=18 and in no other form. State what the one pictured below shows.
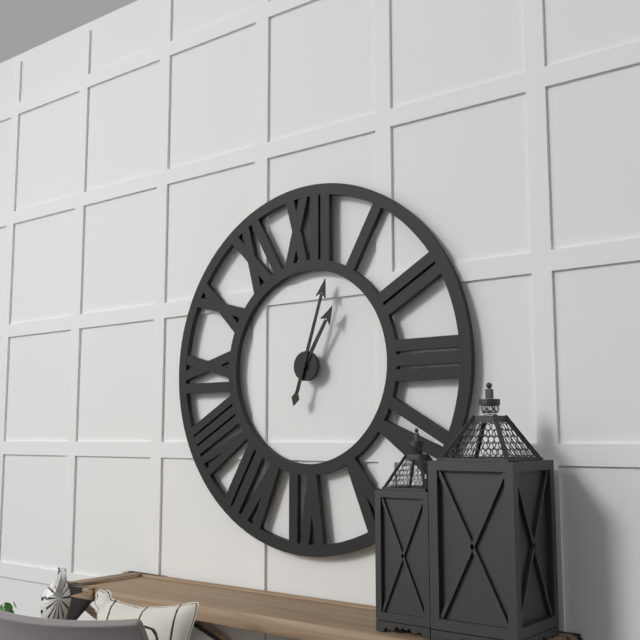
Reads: h=1 m=3
